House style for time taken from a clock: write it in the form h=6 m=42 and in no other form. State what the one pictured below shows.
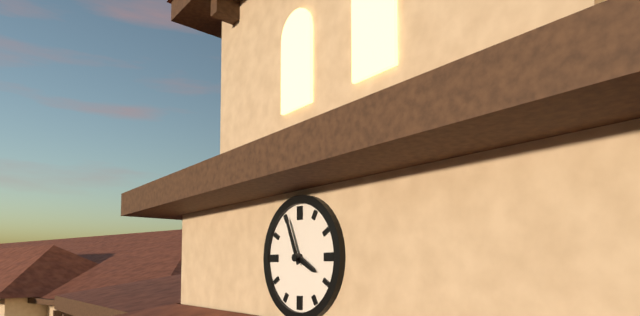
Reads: h=3 m=56
